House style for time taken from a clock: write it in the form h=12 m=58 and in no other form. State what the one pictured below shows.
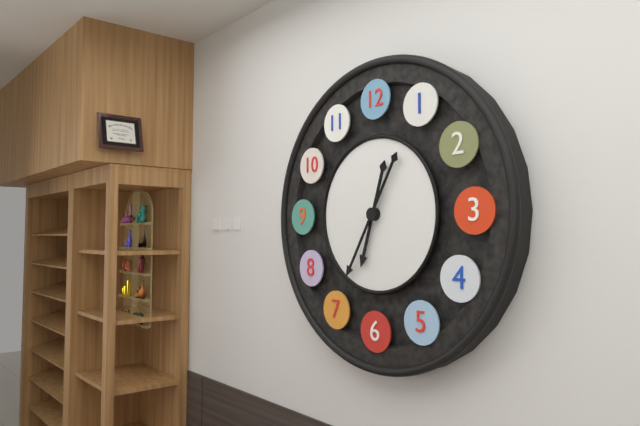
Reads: h=6 m=35
